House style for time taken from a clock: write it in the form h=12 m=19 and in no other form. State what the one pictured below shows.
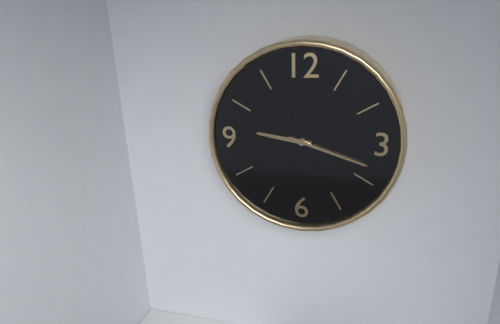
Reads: h=9 m=18
